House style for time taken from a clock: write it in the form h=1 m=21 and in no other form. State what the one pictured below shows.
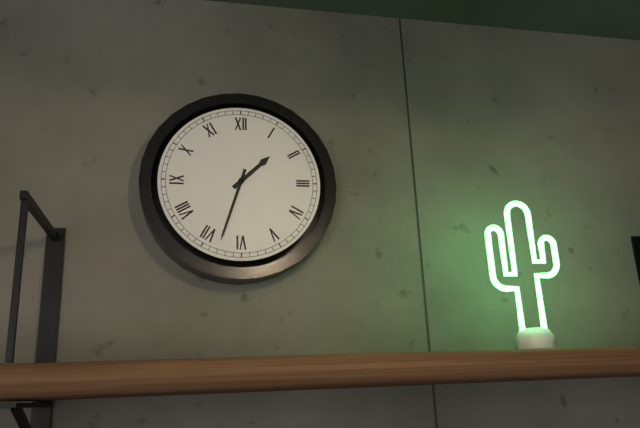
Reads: h=1 m=33
